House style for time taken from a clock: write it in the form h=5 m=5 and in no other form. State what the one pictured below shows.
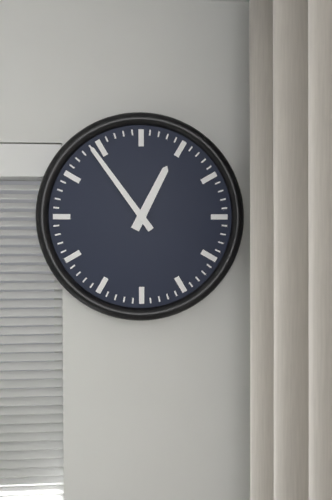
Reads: h=12 m=54
